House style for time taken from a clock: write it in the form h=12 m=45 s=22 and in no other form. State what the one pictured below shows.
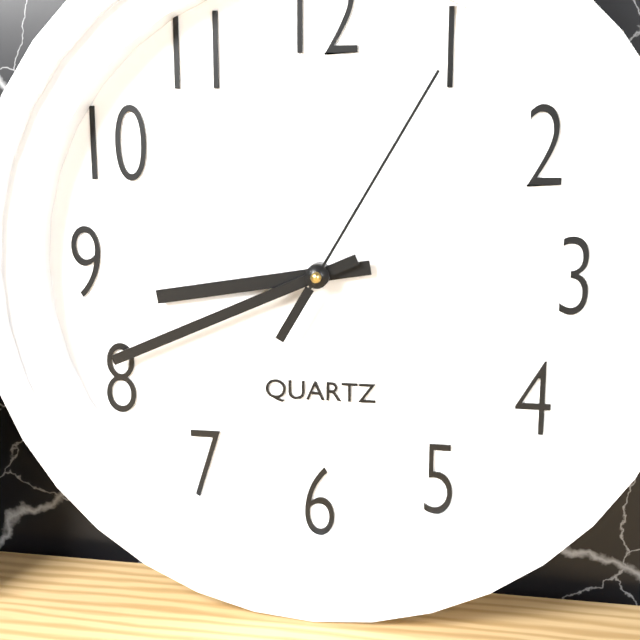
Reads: h=8 m=41 s=5
